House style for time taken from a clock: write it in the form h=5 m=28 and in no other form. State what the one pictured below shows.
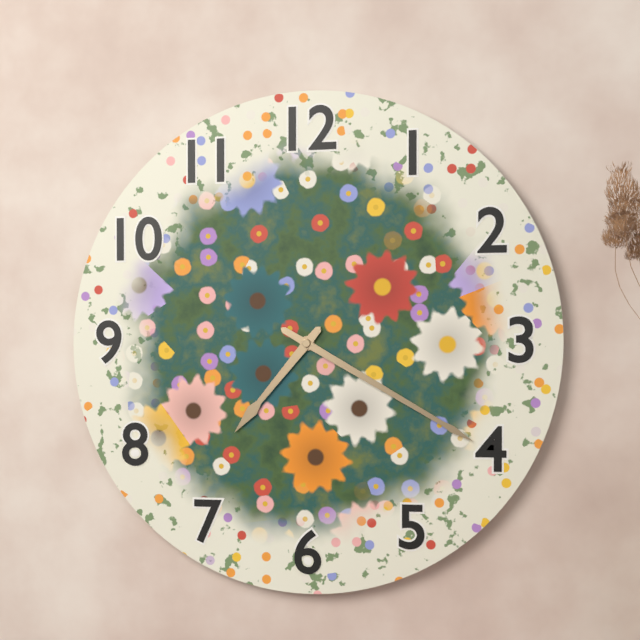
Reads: h=7 m=20
